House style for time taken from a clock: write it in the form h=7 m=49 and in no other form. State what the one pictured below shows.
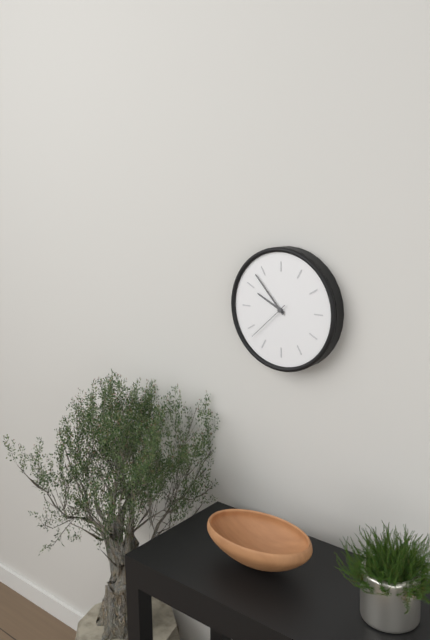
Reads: h=9 m=53
